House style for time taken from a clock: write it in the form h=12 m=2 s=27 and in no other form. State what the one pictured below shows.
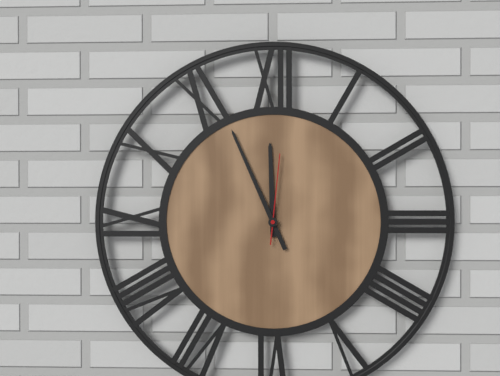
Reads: h=11 m=56 s=1
